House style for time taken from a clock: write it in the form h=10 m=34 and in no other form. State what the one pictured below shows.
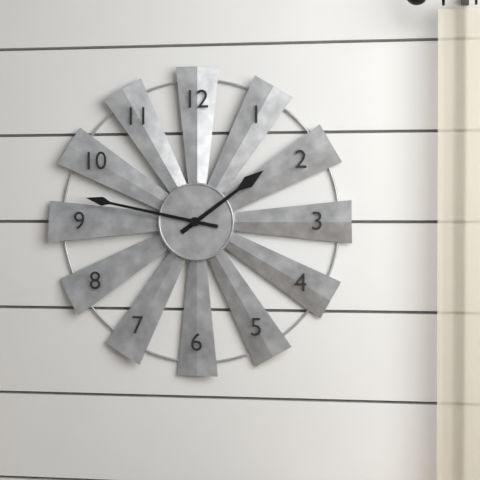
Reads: h=1 m=47
